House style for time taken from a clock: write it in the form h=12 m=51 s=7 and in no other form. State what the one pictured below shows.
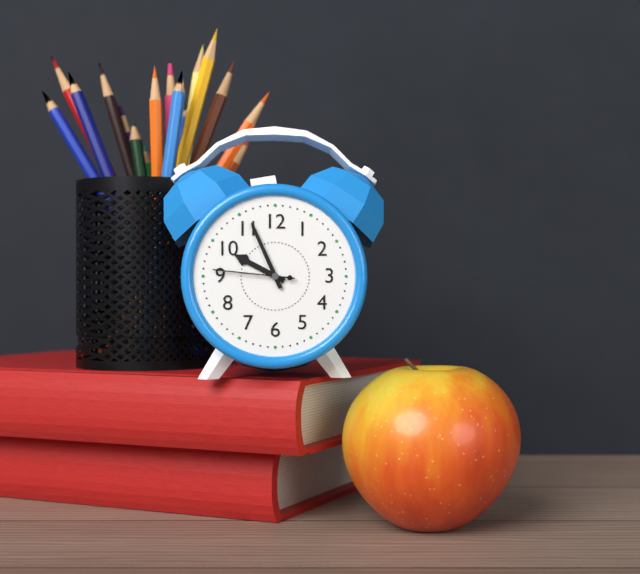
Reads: h=9 m=56 s=46
